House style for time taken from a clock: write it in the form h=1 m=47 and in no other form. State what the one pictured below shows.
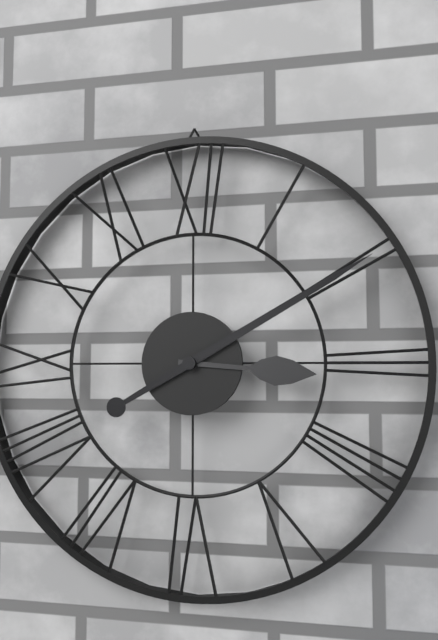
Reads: h=3 m=10
